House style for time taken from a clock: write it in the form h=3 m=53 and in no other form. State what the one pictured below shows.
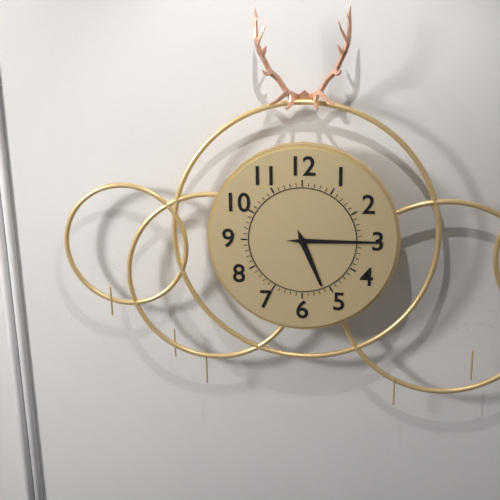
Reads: h=5 m=15
